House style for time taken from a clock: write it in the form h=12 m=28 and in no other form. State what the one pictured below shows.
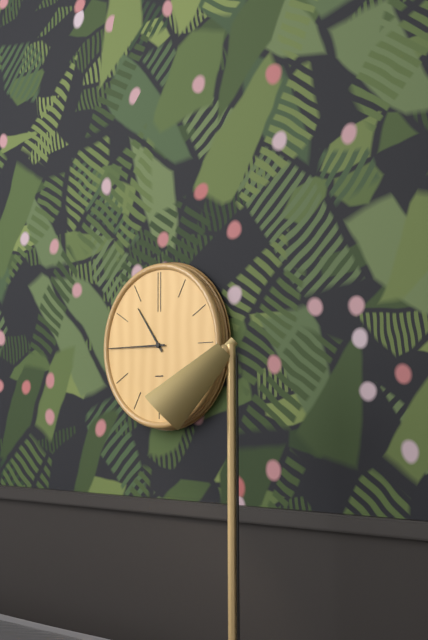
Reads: h=10 m=45
